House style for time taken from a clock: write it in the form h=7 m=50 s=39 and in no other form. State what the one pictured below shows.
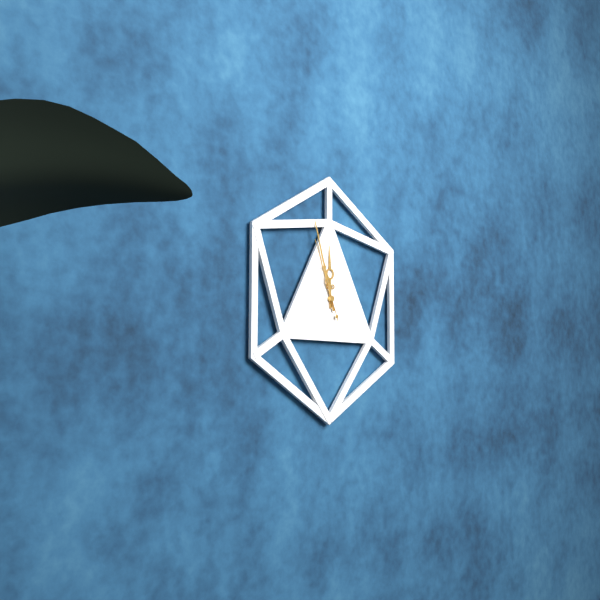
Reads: h=11 m=57 s=56
